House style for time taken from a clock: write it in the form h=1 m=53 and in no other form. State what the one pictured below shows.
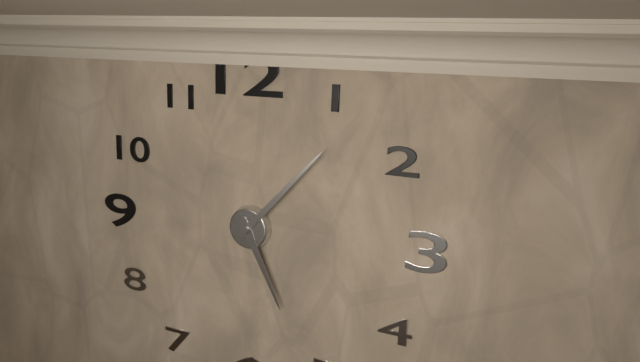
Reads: h=5 m=7
